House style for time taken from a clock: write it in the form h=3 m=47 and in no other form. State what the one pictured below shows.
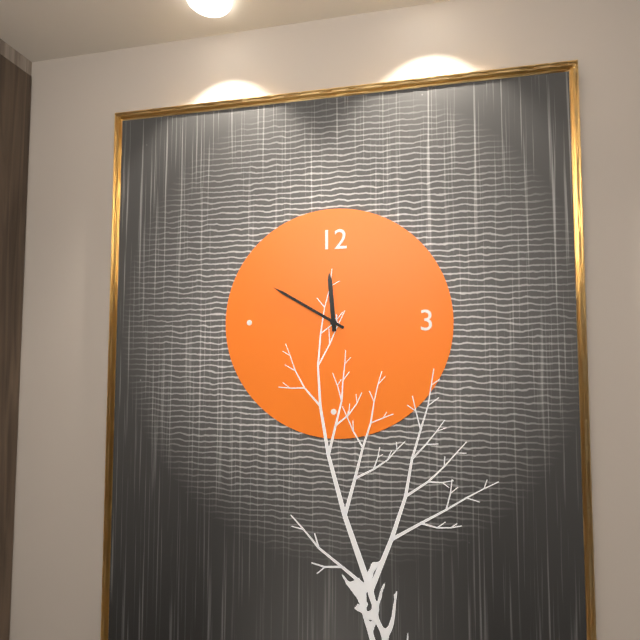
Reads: h=11 m=50
